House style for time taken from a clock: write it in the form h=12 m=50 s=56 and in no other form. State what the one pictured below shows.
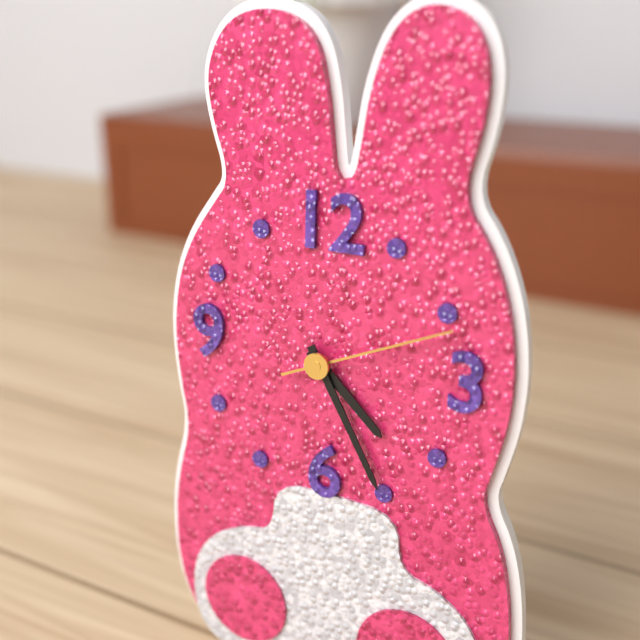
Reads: h=4 m=25 s=11
